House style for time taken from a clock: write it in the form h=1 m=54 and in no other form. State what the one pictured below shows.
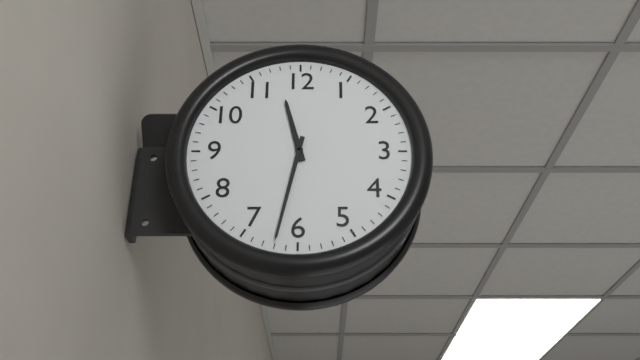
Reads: h=11 m=32
